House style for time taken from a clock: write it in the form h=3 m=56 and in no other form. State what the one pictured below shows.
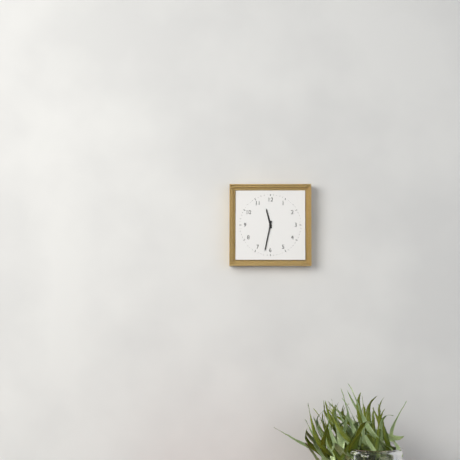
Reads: h=11 m=32
